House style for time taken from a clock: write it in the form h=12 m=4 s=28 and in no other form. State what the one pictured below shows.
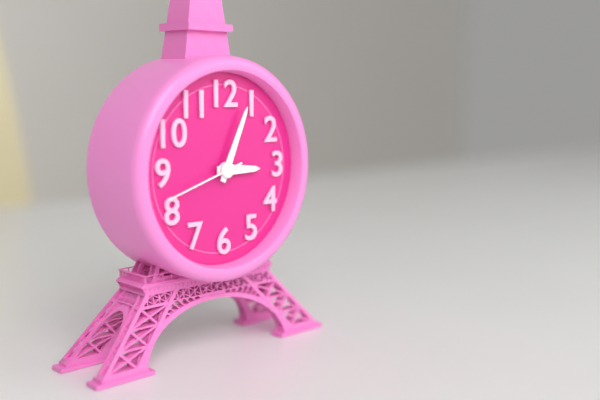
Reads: h=3 m=4 s=42
